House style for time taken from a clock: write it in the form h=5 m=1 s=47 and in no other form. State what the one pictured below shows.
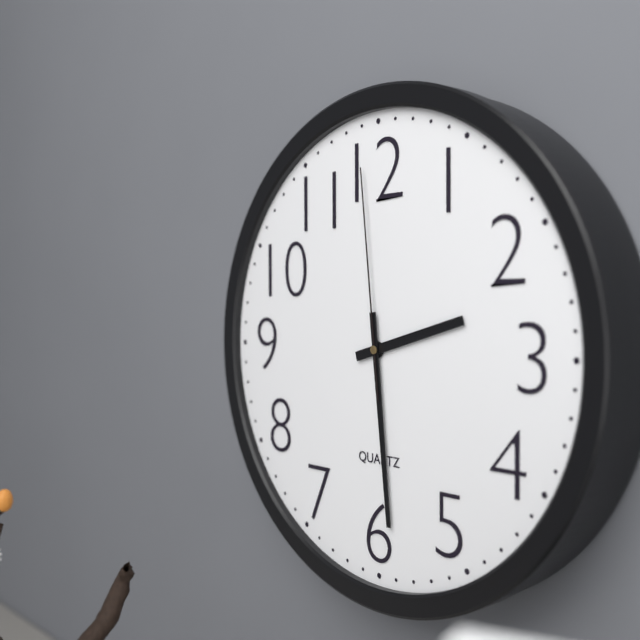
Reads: h=2 m=29 s=59
